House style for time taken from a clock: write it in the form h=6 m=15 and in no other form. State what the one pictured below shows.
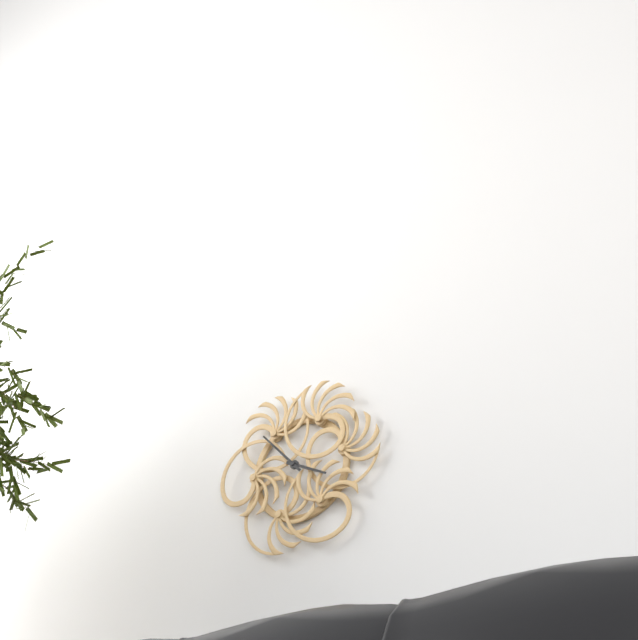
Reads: h=3 m=53
